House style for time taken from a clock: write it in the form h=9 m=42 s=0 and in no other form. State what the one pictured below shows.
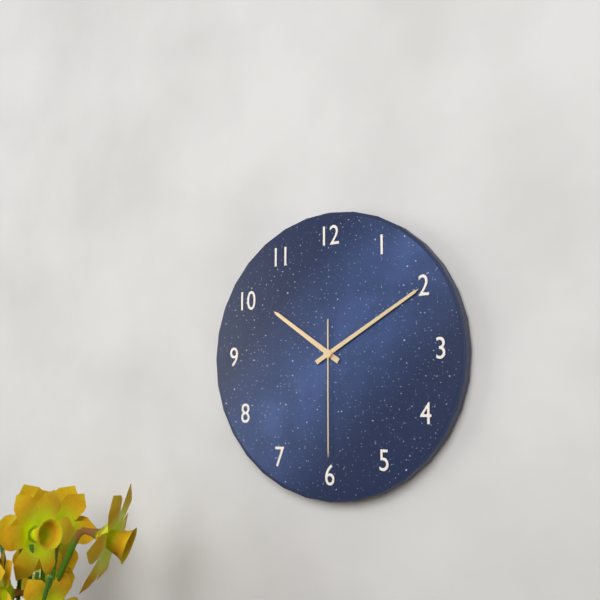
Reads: h=10 m=10 s=30
